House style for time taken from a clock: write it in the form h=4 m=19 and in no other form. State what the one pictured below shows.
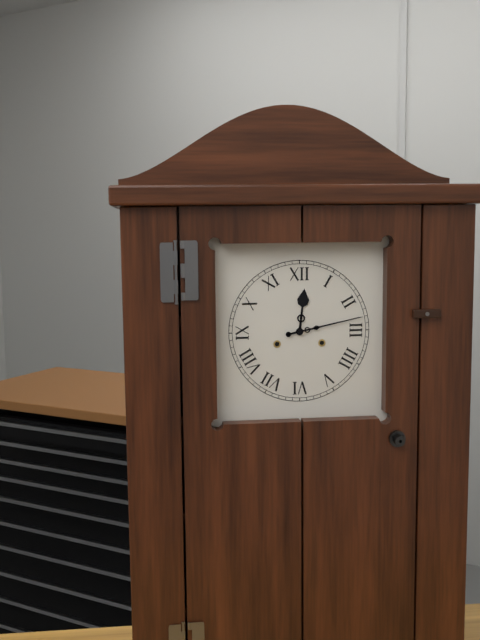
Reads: h=12 m=13
